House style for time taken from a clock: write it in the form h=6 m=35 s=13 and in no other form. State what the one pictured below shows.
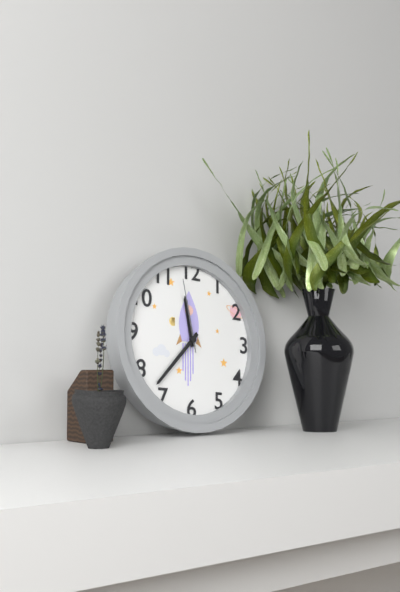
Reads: h=11 m=37 s=58
